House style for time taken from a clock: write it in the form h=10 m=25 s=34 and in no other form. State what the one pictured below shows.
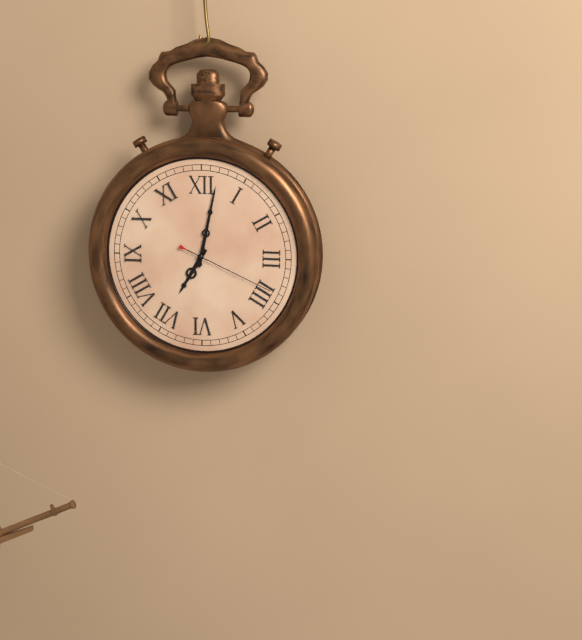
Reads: h=7 m=2 s=19
